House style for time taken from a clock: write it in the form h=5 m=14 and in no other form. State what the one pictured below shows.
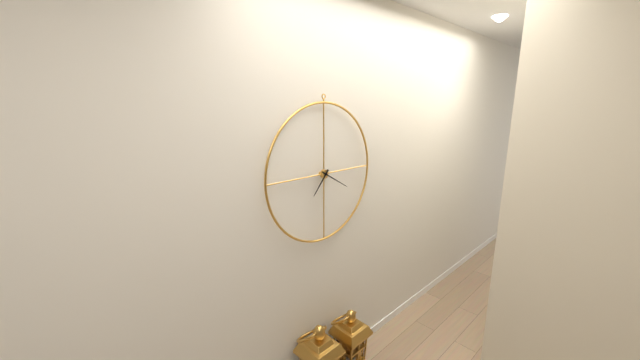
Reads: h=7 m=20
